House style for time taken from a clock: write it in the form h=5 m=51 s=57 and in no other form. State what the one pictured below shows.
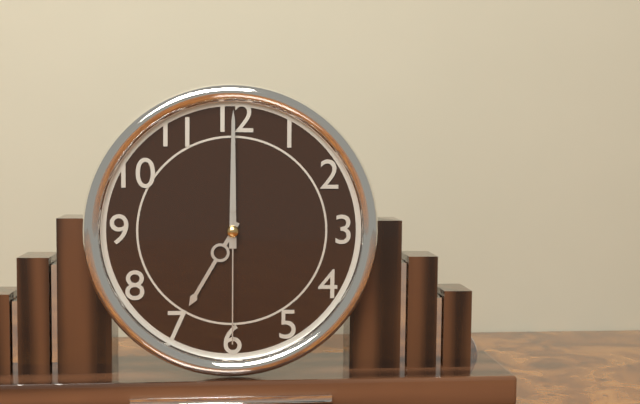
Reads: h=7 m=0 s=30
